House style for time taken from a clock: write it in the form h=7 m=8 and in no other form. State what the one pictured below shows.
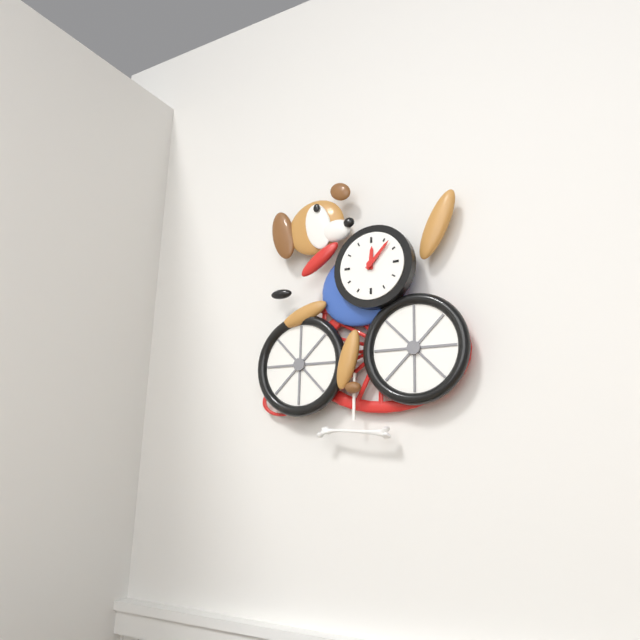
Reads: h=12 m=7
